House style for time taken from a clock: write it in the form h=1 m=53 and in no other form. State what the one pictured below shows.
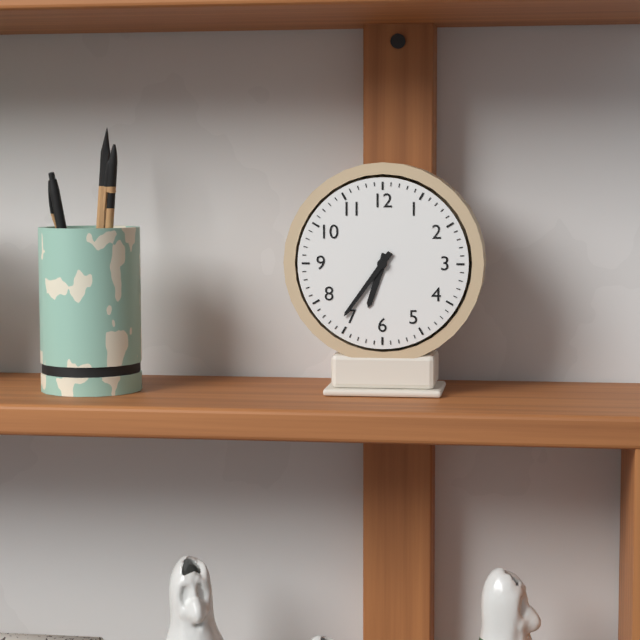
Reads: h=6 m=36
